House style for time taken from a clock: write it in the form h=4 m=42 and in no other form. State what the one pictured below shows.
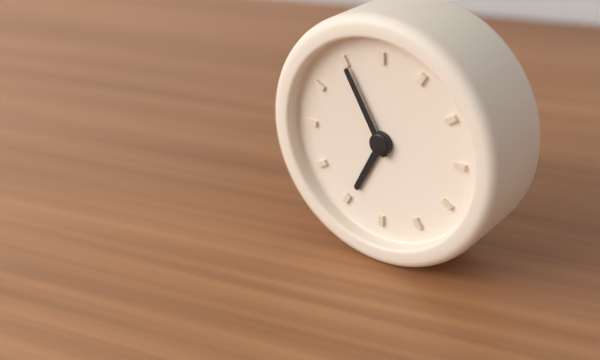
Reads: h=6 m=55
